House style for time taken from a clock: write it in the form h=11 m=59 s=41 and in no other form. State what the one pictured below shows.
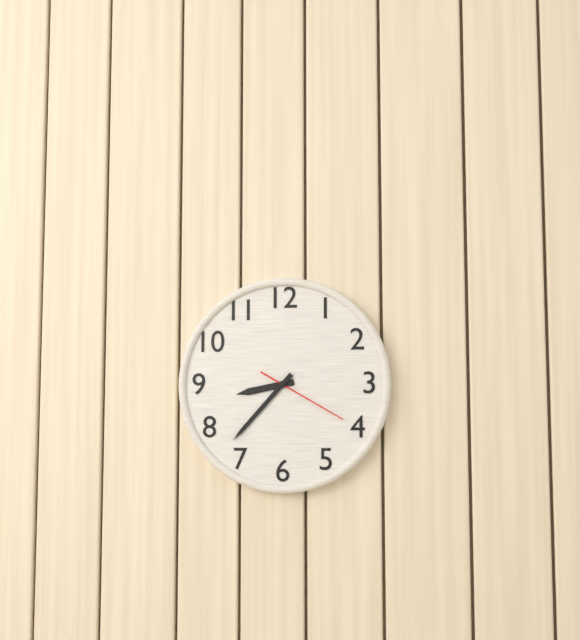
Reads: h=8 m=37 s=20
